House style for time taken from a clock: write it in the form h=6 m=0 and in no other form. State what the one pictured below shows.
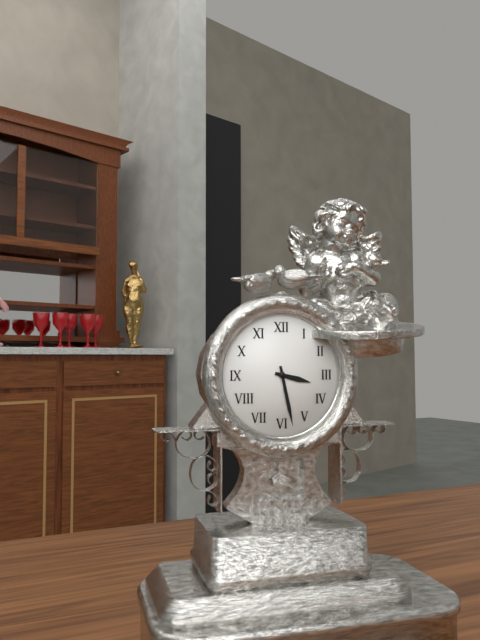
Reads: h=3 m=28
